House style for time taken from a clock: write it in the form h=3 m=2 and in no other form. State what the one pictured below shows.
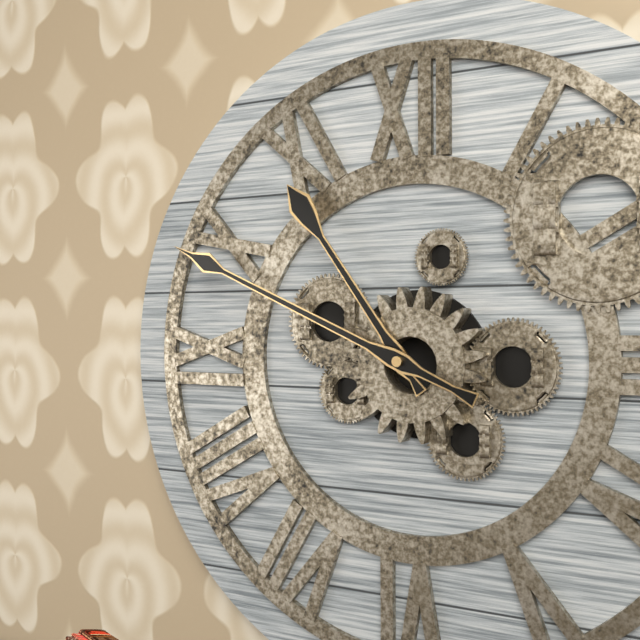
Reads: h=10 m=49
